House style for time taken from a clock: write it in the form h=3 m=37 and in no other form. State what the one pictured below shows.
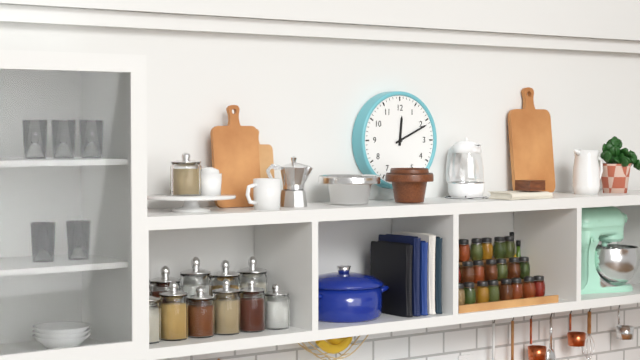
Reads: h=12 m=11
